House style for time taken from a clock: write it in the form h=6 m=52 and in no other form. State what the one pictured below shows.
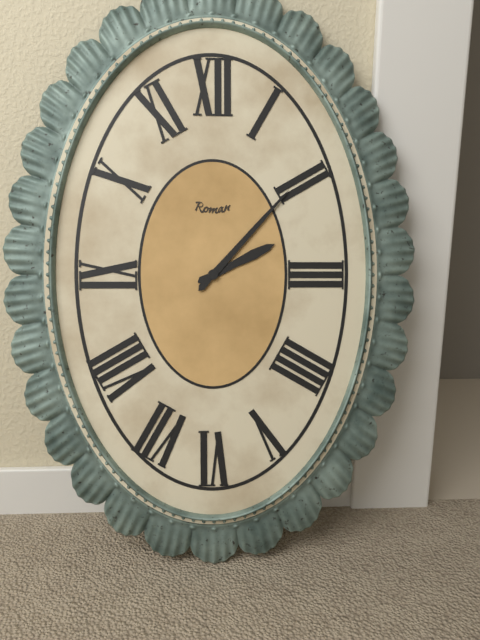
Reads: h=2 m=7
